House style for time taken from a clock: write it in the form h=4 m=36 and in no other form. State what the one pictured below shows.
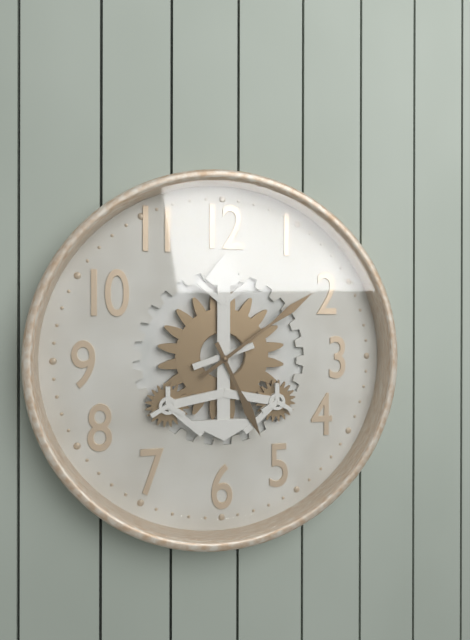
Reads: h=5 m=9
